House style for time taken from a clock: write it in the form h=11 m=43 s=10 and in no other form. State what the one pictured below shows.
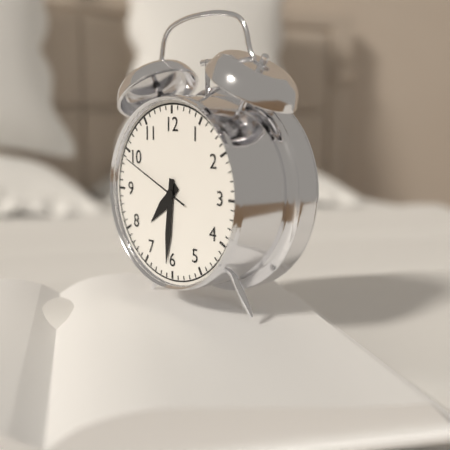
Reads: h=7 m=31 s=49
